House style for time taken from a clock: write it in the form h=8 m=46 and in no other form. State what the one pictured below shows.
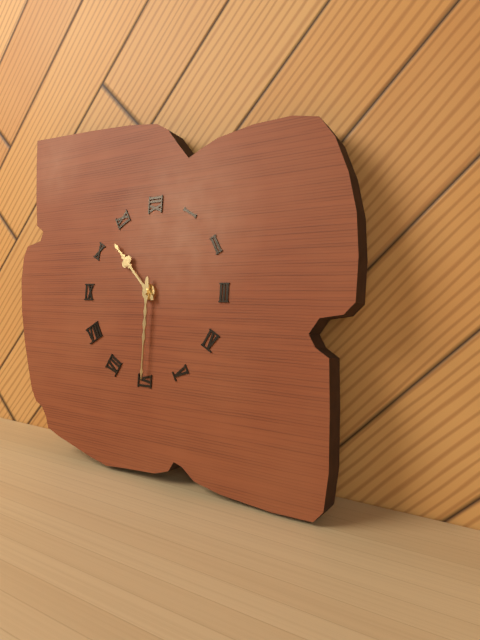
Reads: h=10 m=30
